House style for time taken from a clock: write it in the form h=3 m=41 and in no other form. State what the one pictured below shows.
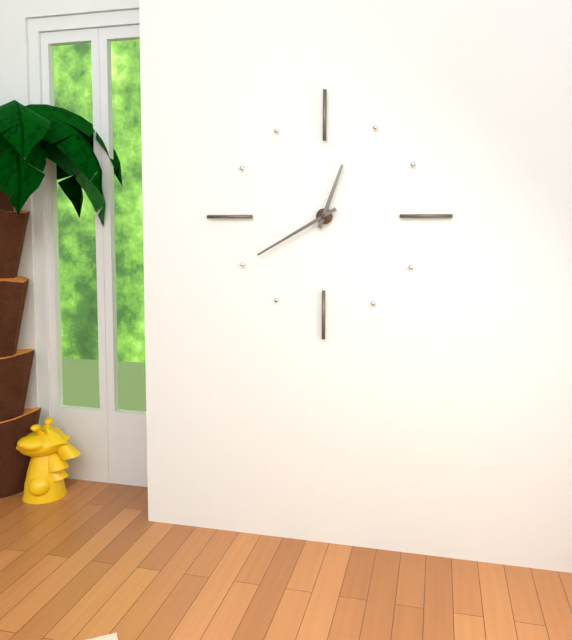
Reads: h=12 m=40
